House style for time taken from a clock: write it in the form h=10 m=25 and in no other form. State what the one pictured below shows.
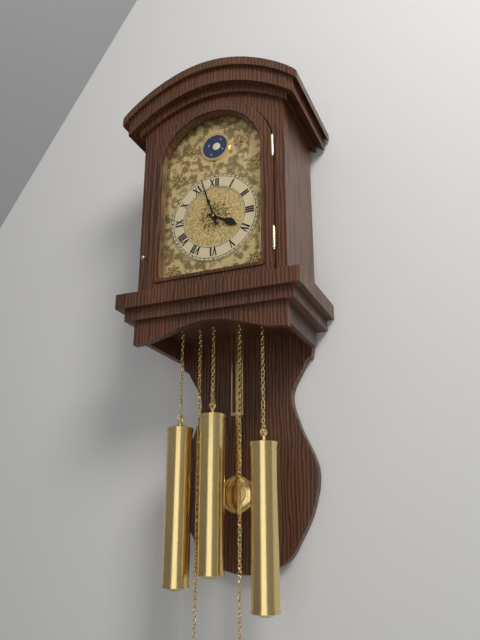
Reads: h=3 m=57
